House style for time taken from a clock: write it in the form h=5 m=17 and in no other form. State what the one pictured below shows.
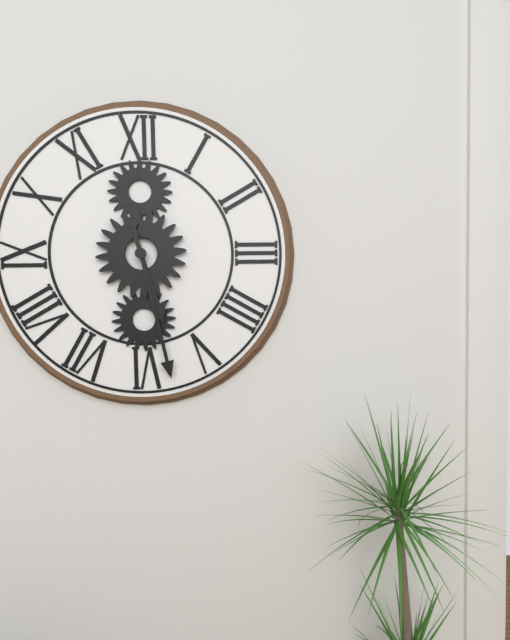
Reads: h=5 m=28
